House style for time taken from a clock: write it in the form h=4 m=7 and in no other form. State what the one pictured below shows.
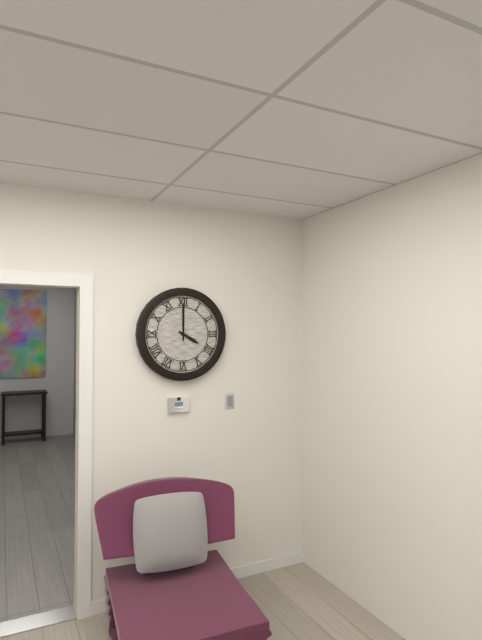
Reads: h=4 m=0
